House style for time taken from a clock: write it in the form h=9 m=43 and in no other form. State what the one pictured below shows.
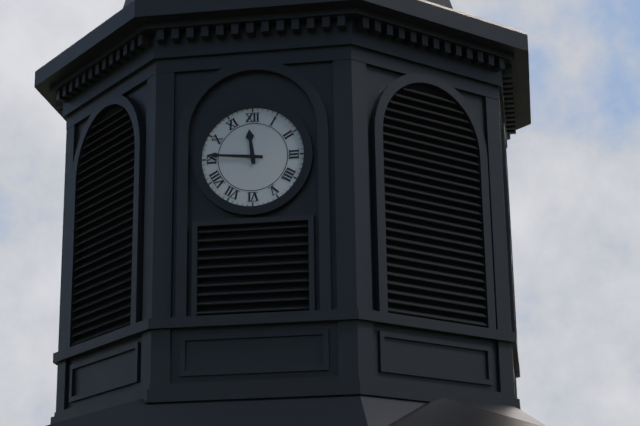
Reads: h=11 m=46
